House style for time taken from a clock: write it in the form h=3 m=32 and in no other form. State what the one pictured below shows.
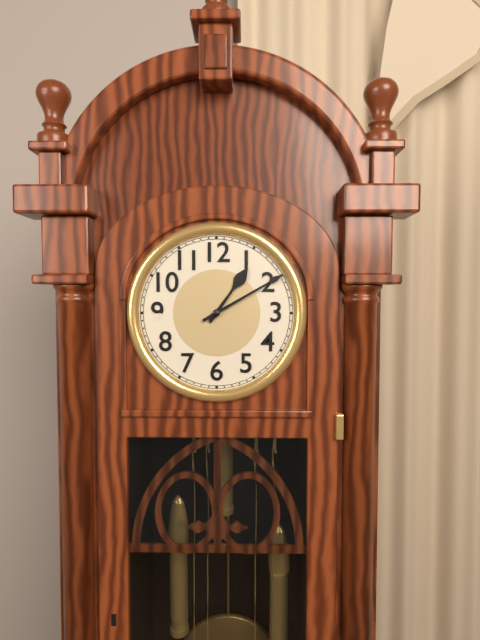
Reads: h=1 m=10
